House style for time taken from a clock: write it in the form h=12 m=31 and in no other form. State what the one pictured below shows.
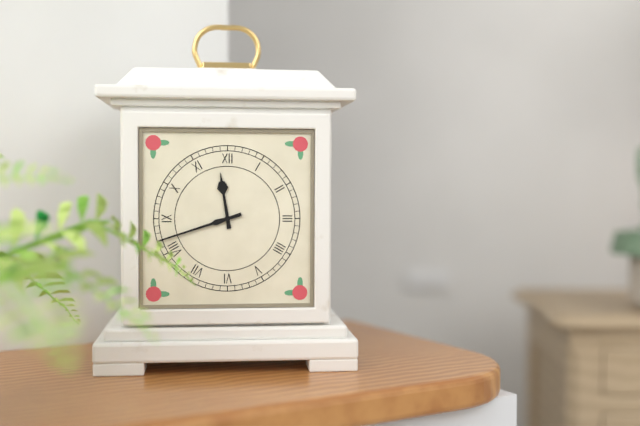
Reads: h=11 m=42
